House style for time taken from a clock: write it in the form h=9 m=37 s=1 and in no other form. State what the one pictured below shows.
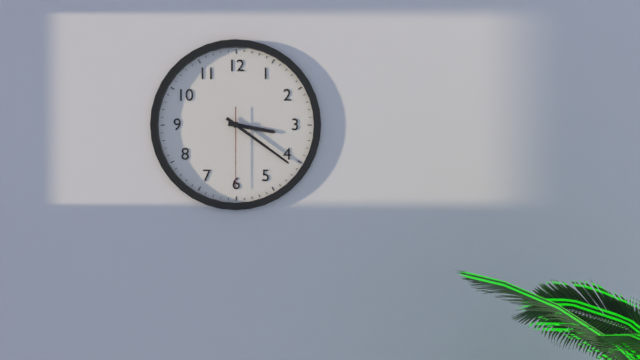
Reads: h=3 m=21 s=30
